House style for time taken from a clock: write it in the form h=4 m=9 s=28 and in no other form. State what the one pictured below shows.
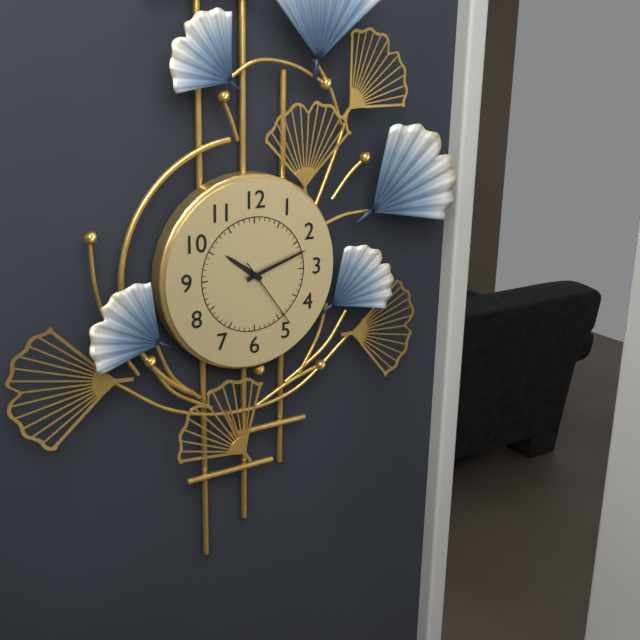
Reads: h=10 m=12 s=24
